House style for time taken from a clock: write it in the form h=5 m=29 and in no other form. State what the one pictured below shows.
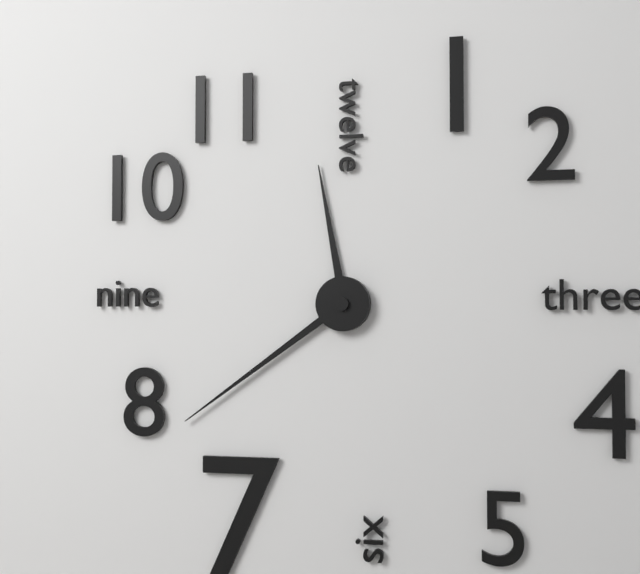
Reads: h=11 m=39
